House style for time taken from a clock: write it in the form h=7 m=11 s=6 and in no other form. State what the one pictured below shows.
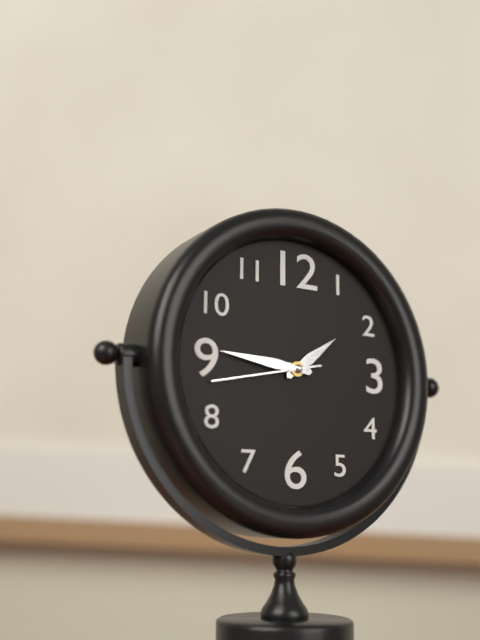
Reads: h=1 m=46 s=43
